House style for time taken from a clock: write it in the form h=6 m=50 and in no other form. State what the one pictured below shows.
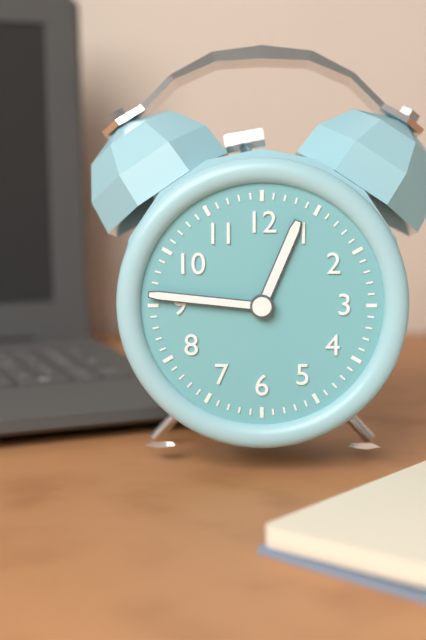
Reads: h=12 m=46
